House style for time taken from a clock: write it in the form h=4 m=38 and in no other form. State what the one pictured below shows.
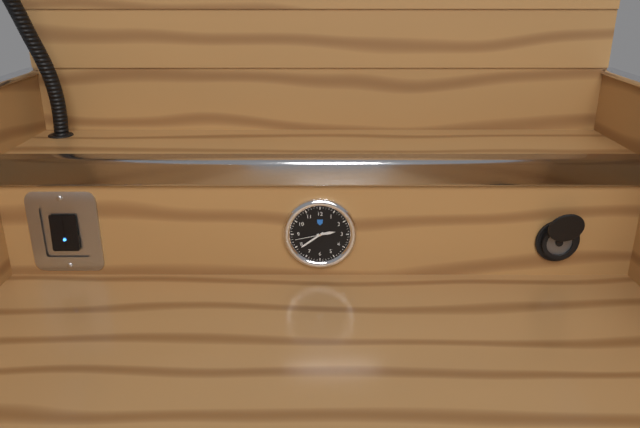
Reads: h=2 m=39
